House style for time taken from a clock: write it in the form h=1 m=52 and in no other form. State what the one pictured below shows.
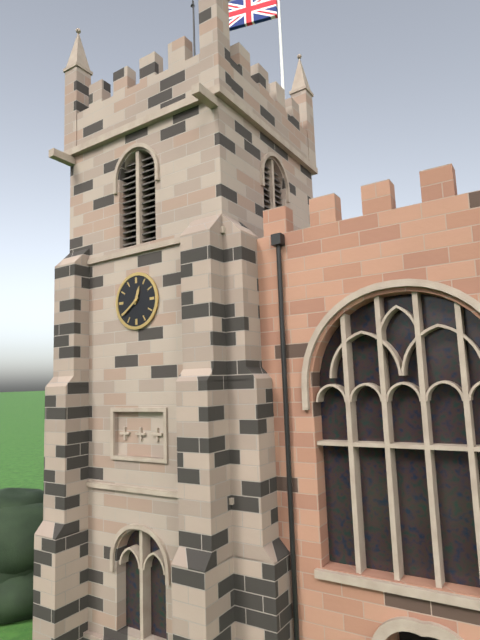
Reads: h=12 m=39
